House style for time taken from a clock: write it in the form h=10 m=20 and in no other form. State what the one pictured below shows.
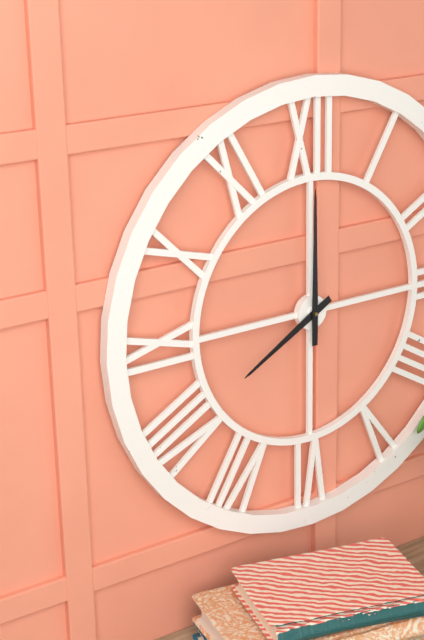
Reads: h=8 m=0
